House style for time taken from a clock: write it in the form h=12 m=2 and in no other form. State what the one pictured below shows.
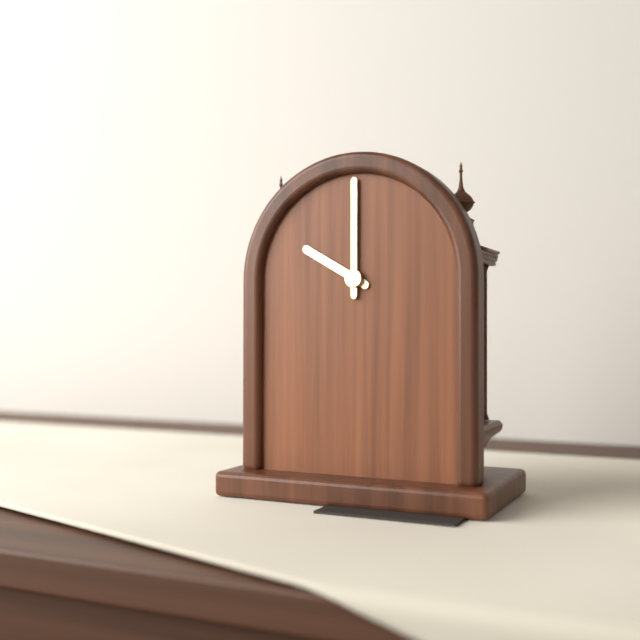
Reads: h=10 m=0
